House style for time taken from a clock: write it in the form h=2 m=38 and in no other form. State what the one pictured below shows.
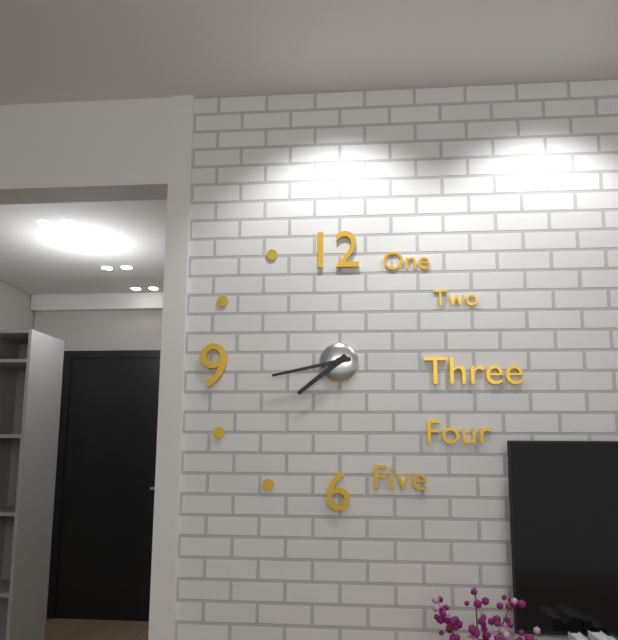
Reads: h=7 m=43
